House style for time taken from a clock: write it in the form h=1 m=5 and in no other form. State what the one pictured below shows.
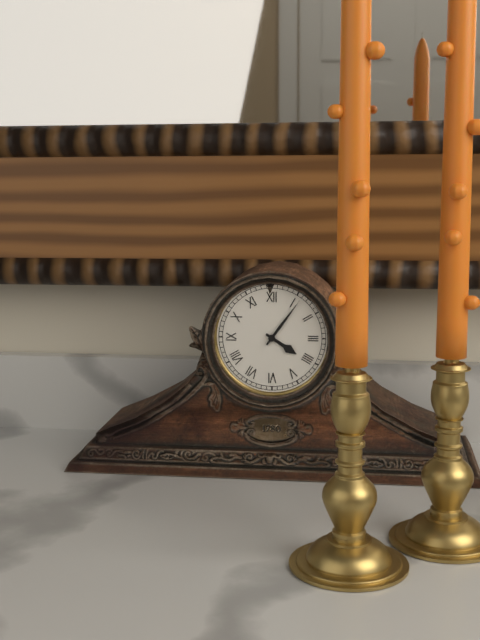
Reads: h=4 m=6
